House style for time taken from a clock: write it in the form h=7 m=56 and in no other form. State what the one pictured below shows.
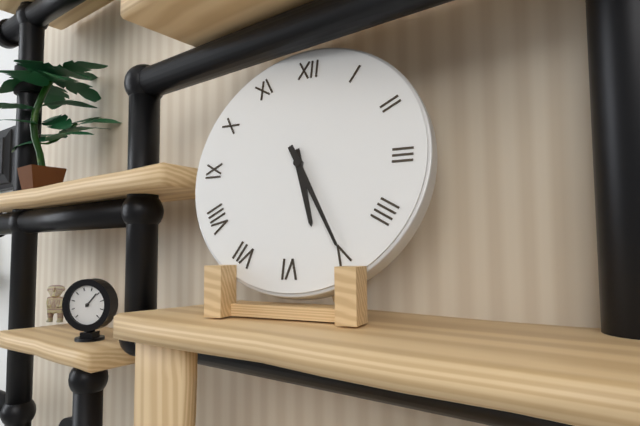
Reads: h=5 m=25
